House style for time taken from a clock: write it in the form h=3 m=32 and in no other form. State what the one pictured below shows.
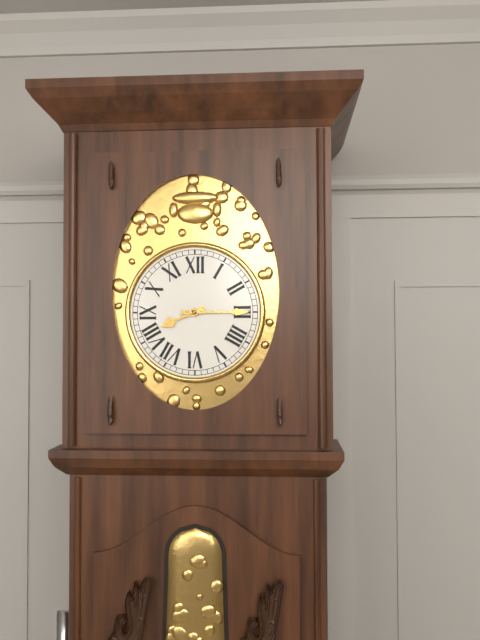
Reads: h=8 m=15
